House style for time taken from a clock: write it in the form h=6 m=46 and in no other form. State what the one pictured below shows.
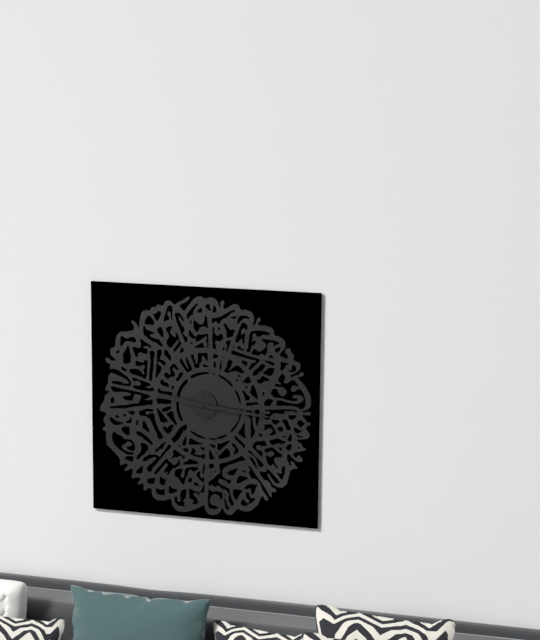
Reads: h=9 m=16
